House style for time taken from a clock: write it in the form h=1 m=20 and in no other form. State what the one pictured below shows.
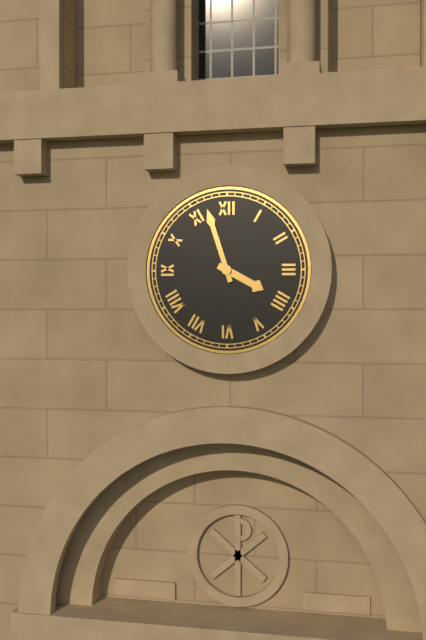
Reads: h=3 m=57
